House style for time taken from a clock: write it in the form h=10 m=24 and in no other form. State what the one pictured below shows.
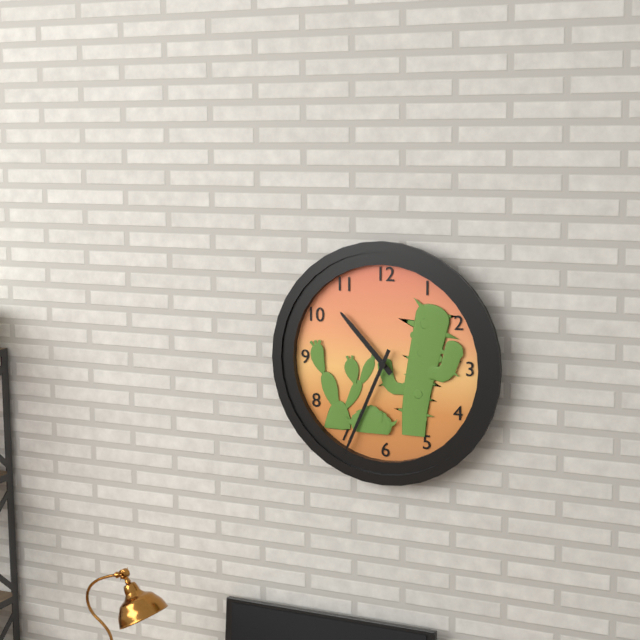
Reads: h=10 m=34
